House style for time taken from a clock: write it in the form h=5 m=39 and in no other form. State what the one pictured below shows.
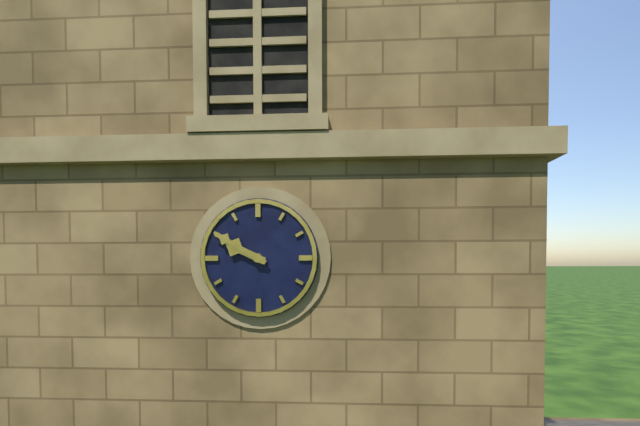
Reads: h=9 m=50
